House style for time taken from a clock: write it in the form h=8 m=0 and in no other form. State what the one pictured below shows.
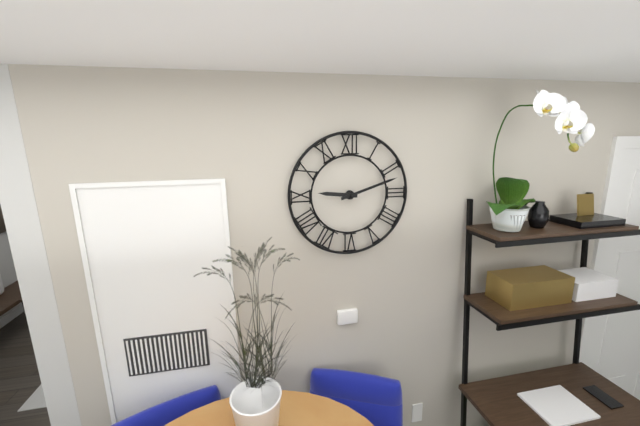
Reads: h=9 m=12
